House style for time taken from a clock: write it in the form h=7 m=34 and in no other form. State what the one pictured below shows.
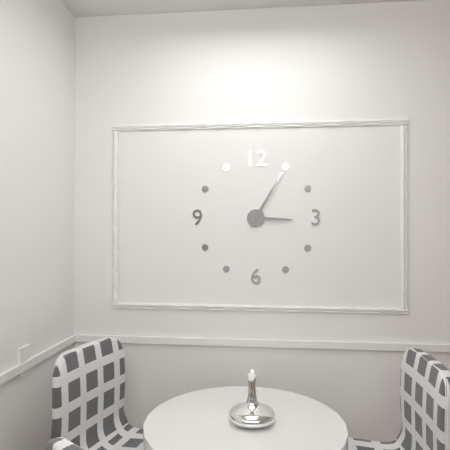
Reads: h=3 m=5
